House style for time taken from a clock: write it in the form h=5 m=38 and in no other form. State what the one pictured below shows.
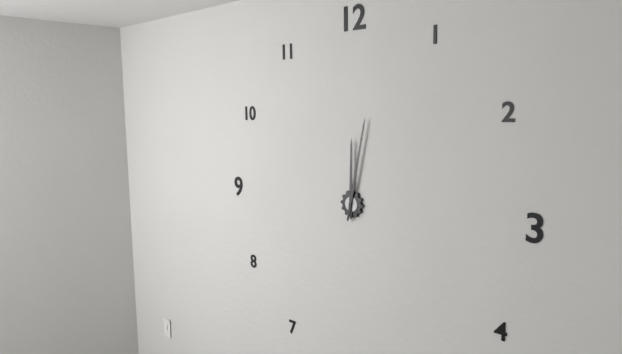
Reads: h=12 m=2
